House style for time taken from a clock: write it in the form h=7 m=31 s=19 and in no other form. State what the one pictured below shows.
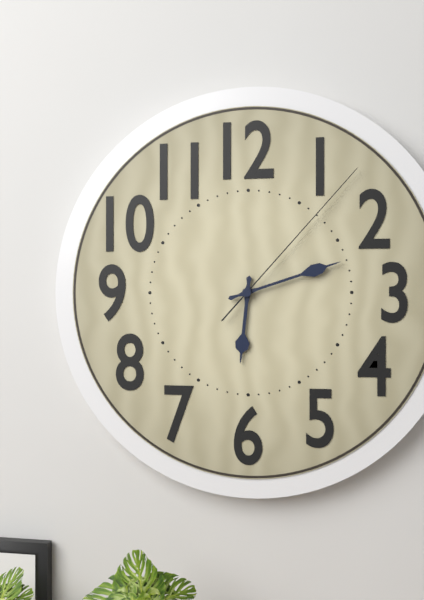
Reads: h=6 m=12 s=7
